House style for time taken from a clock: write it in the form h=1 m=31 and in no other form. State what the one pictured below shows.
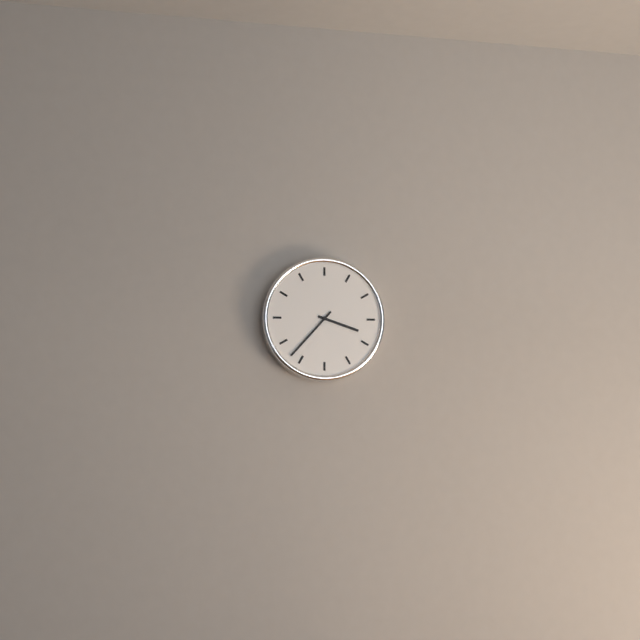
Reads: h=3 m=37
